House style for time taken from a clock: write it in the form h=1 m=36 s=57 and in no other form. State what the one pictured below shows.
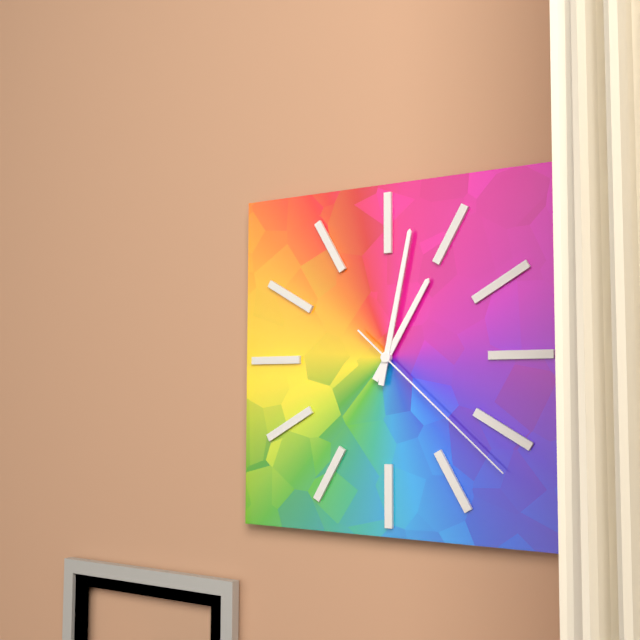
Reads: h=1 m=2 s=22
